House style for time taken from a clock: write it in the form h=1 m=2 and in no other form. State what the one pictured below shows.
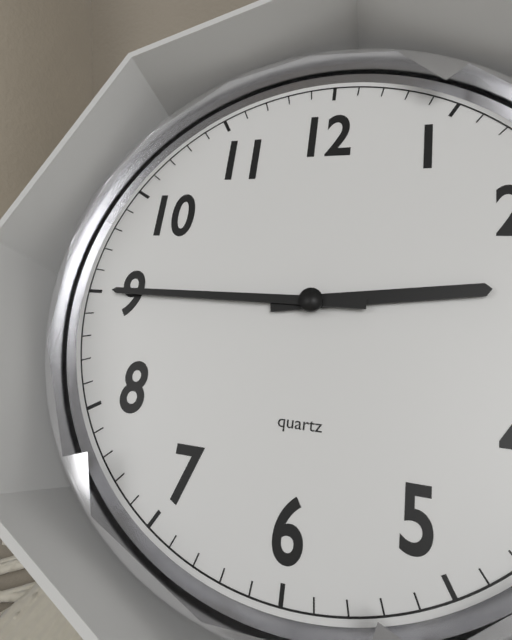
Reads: h=2 m=45
